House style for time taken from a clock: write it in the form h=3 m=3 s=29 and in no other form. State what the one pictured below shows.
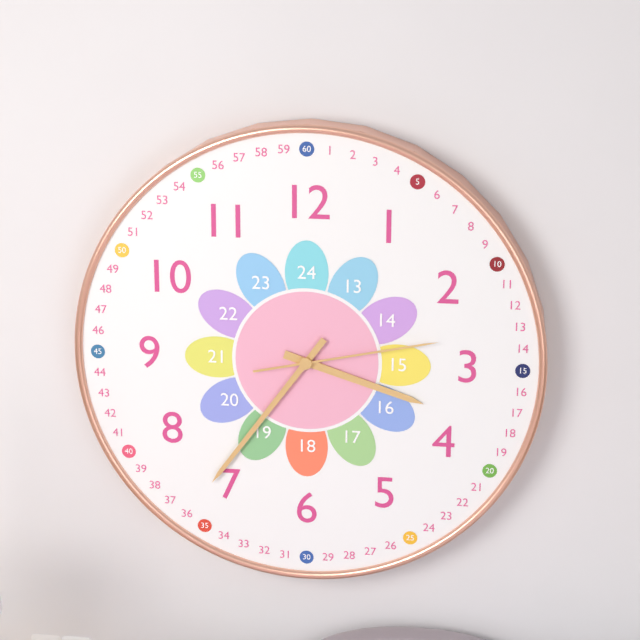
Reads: h=3 m=36 s=13
